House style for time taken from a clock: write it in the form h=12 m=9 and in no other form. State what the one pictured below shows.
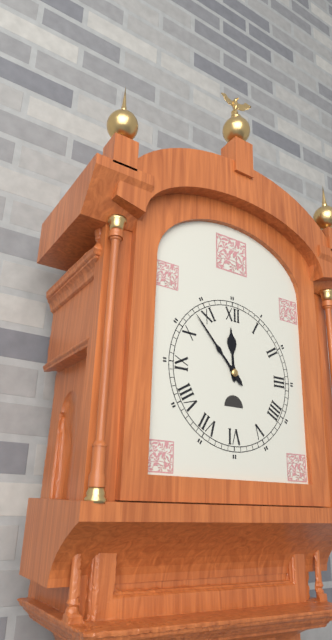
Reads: h=11 m=53
